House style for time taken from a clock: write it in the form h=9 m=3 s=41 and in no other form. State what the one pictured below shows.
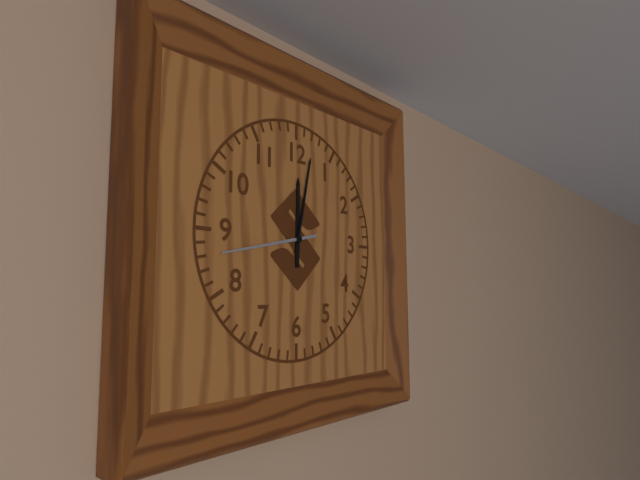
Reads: h=12 m=2 s=43
